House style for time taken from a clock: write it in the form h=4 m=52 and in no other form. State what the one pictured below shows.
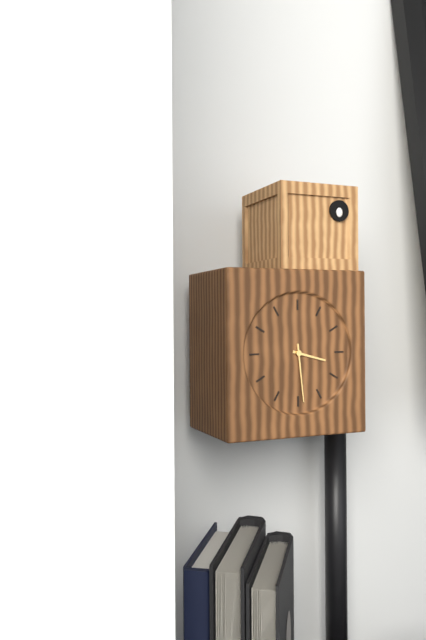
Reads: h=3 m=29
